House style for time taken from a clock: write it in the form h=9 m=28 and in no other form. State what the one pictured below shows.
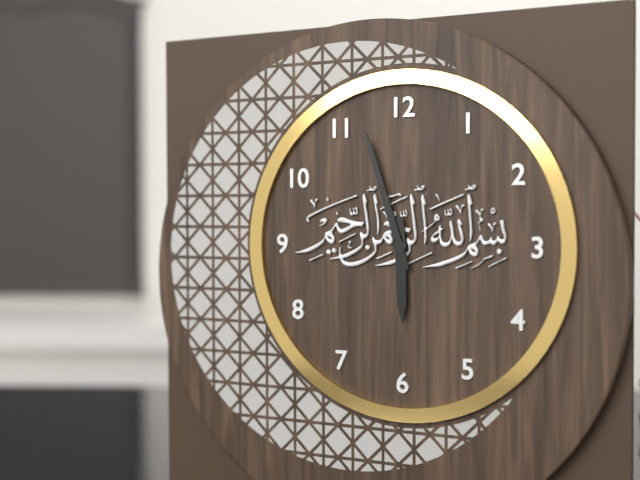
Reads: h=5 m=57
